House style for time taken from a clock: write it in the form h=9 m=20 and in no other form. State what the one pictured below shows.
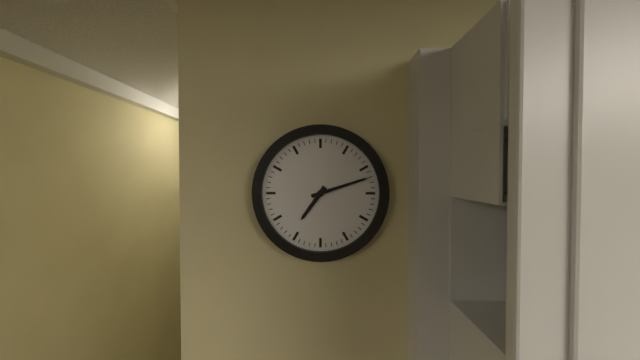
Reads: h=7 m=12
